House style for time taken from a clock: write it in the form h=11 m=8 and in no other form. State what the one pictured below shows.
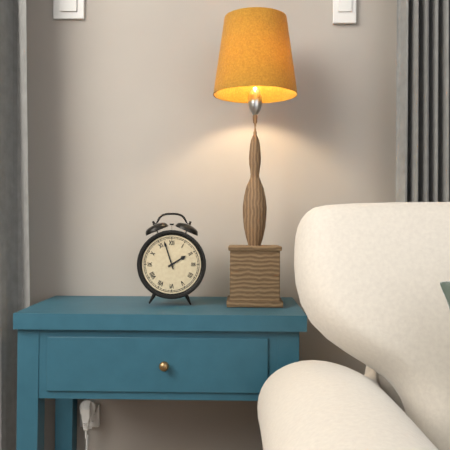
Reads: h=1 m=57
